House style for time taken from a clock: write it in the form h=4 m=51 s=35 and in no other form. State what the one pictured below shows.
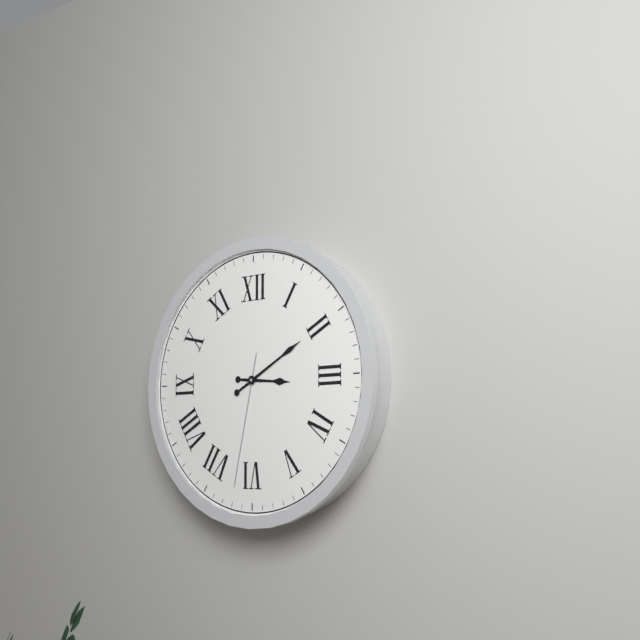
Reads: h=3 m=10 s=32
